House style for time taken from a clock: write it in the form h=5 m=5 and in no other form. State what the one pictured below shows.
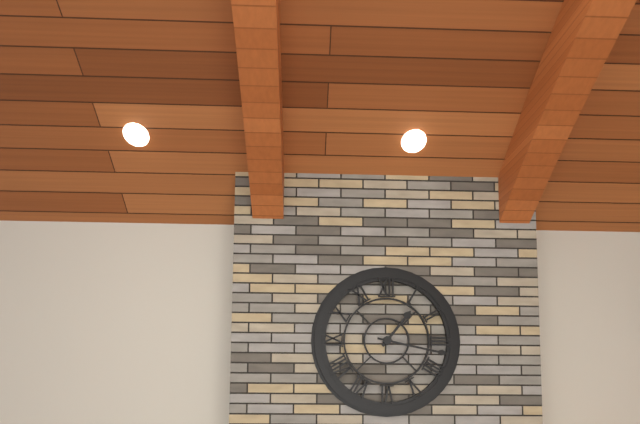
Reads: h=1 m=17
